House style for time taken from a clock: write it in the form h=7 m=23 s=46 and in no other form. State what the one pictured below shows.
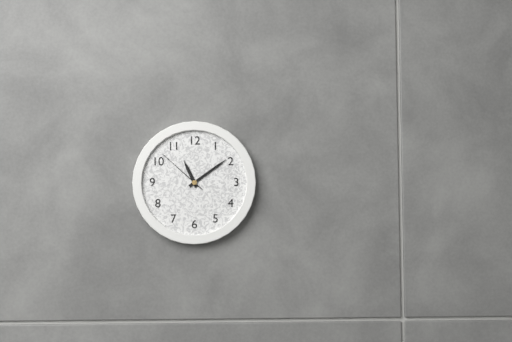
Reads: h=11 m=9 s=52
